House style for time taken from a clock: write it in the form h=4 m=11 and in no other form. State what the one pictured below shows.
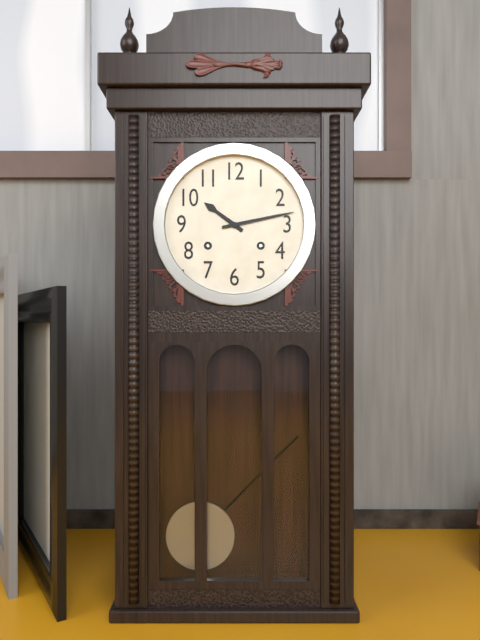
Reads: h=10 m=13
